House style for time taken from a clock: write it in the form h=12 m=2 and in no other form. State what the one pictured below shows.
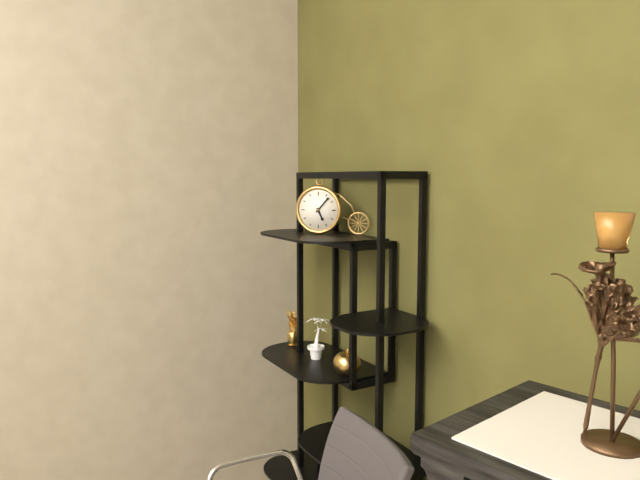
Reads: h=5 m=7
